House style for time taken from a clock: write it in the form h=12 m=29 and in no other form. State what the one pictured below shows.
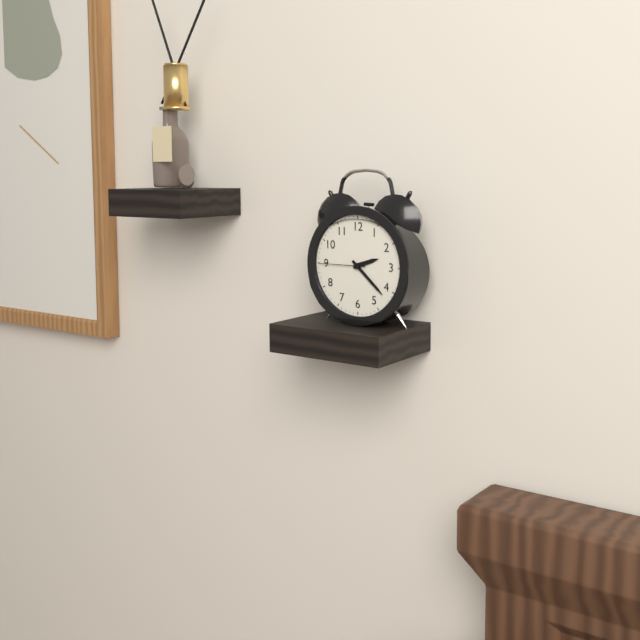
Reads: h=2 m=22
